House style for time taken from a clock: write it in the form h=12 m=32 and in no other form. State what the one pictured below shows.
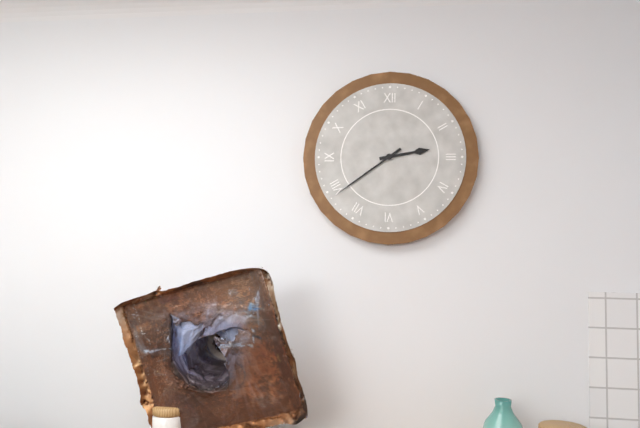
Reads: h=2 m=39
